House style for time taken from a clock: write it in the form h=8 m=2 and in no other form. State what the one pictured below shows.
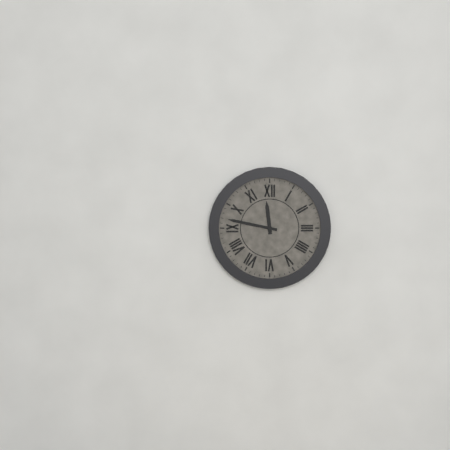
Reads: h=11 m=47
